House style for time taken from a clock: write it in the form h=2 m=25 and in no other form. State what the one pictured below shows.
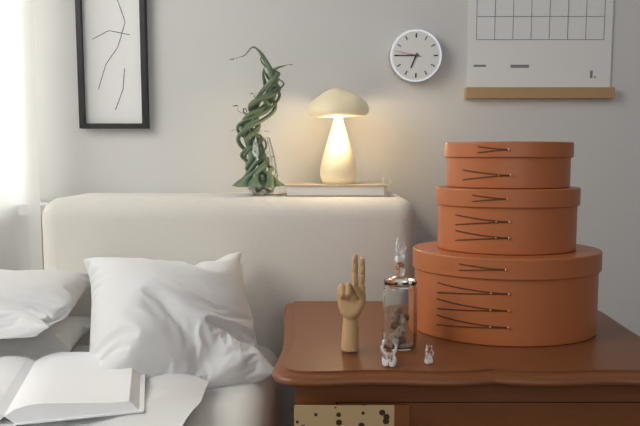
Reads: h=6 m=45
